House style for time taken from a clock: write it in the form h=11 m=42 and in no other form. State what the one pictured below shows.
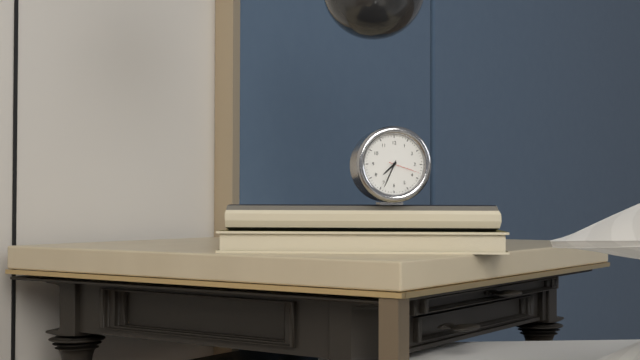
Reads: h=7 m=34
